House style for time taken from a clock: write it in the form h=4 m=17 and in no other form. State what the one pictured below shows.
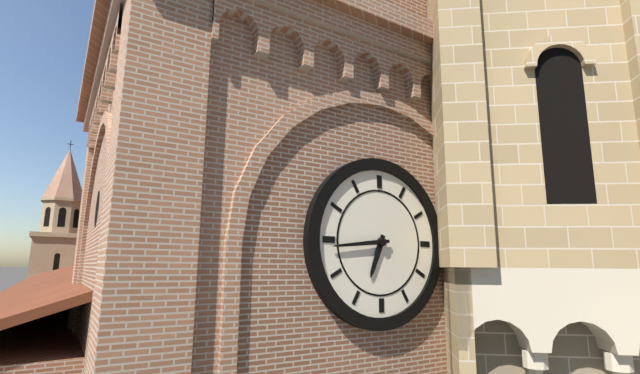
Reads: h=6 m=44
